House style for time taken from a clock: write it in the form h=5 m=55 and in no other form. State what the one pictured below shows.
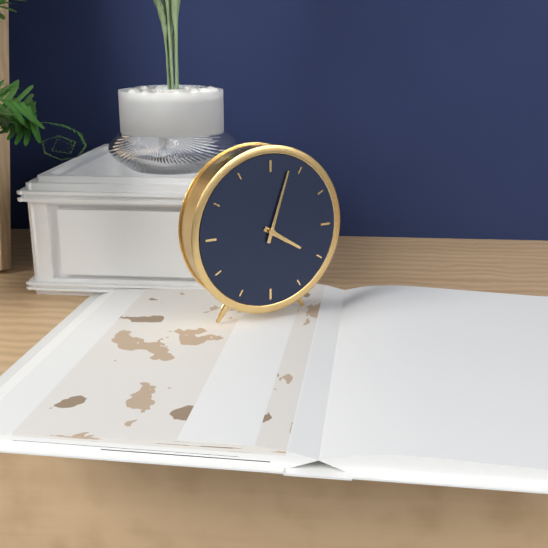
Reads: h=4 m=3
